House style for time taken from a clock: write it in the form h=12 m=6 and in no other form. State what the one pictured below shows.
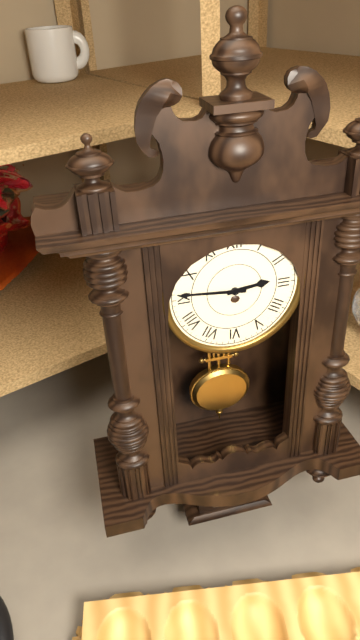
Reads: h=2 m=46
